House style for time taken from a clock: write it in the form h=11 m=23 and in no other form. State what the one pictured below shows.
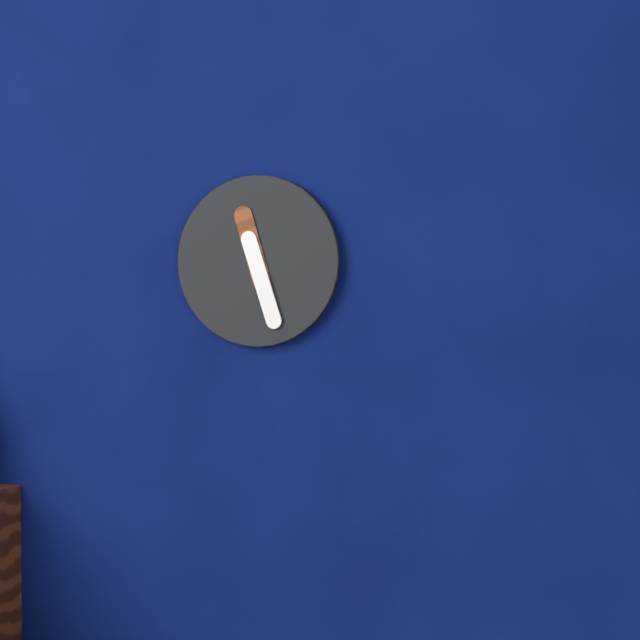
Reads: h=11 m=27
